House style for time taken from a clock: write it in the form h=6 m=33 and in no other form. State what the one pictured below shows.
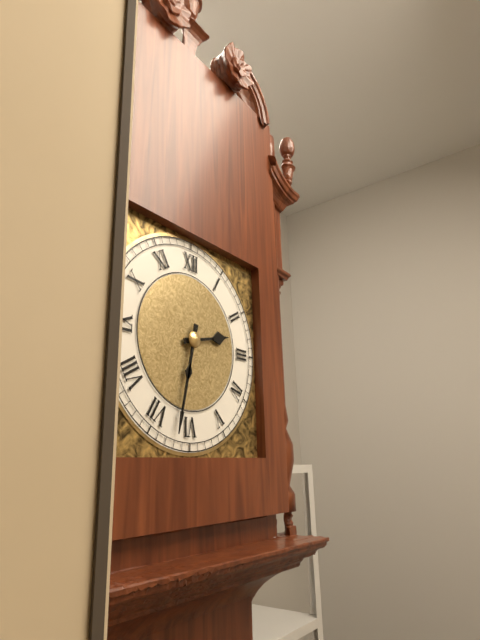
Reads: h=2 m=32
